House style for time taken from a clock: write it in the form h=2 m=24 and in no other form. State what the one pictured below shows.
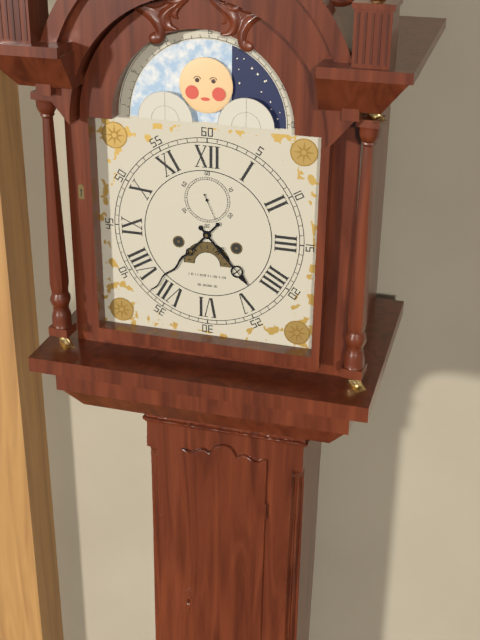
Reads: h=4 m=37
